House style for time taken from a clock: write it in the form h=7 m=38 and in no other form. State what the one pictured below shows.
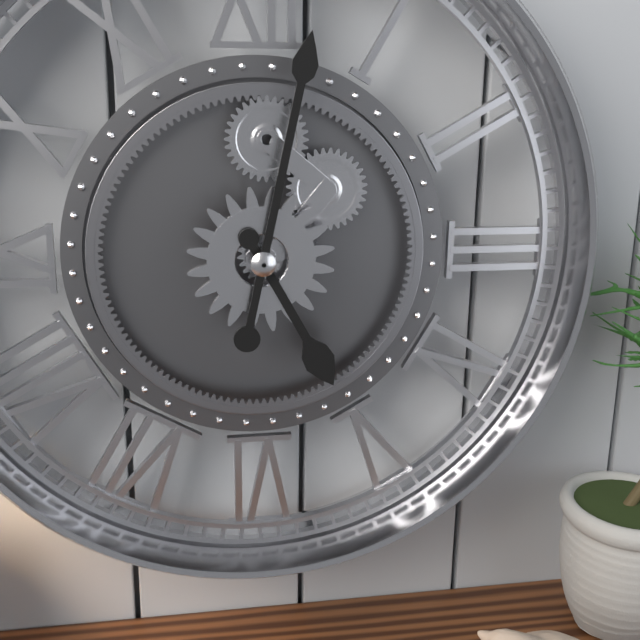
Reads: h=5 m=2
